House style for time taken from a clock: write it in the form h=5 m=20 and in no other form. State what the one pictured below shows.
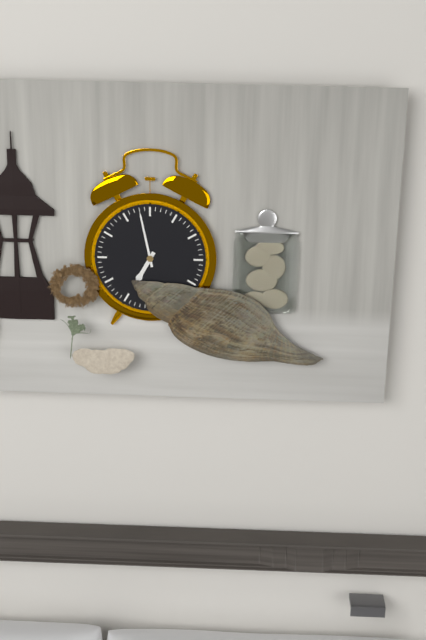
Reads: h=6 m=58
